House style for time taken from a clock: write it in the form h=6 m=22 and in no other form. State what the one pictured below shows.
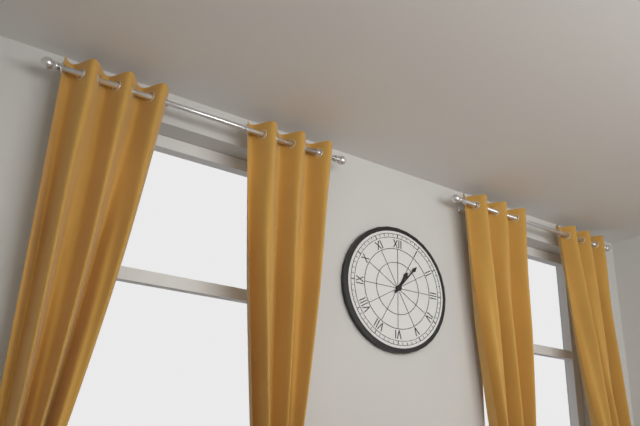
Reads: h=1 m=7
